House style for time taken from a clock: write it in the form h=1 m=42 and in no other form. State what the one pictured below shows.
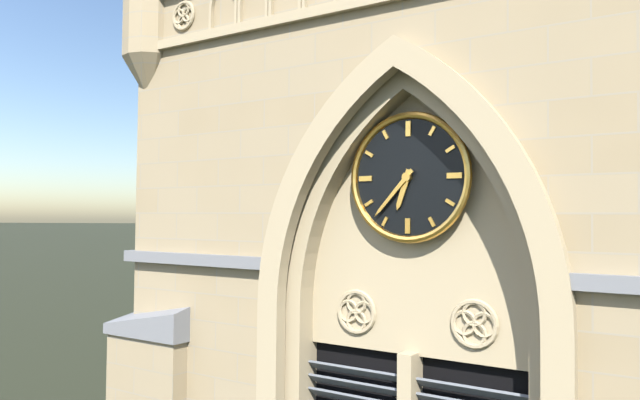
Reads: h=6 m=37
